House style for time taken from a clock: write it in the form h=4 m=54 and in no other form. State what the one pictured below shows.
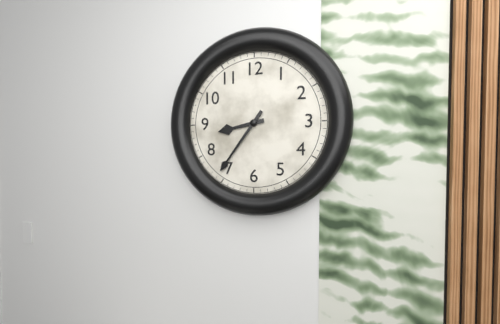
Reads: h=8 m=36
